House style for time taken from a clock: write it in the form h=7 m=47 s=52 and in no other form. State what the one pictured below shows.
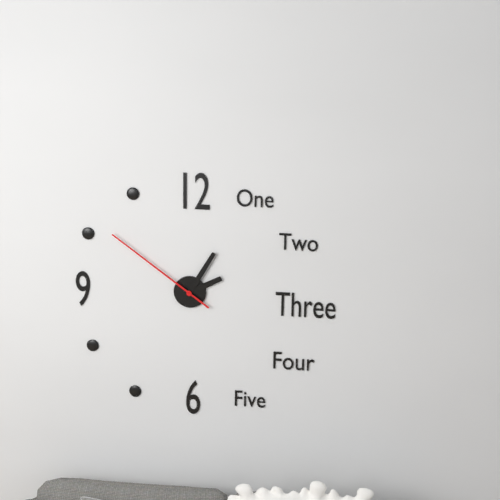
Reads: h=2 m=5 s=51
